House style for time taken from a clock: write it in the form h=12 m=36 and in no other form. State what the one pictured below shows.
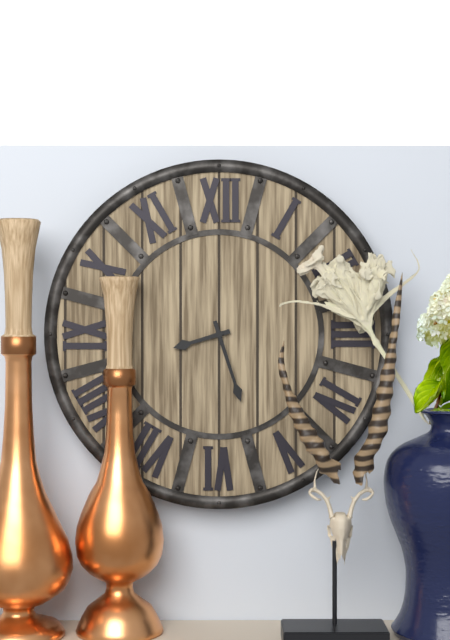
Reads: h=8 m=27
